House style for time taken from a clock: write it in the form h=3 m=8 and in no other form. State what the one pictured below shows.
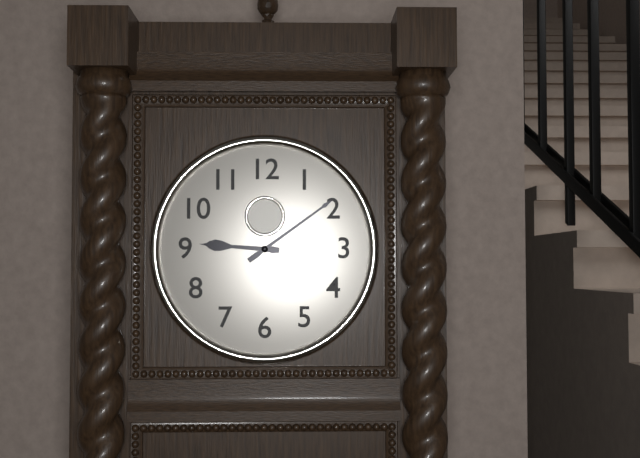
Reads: h=9 m=9
